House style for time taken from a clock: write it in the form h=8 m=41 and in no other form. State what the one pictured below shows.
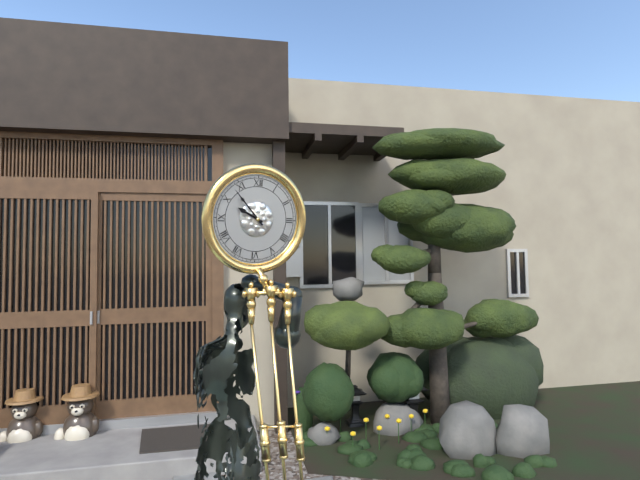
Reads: h=9 m=53
